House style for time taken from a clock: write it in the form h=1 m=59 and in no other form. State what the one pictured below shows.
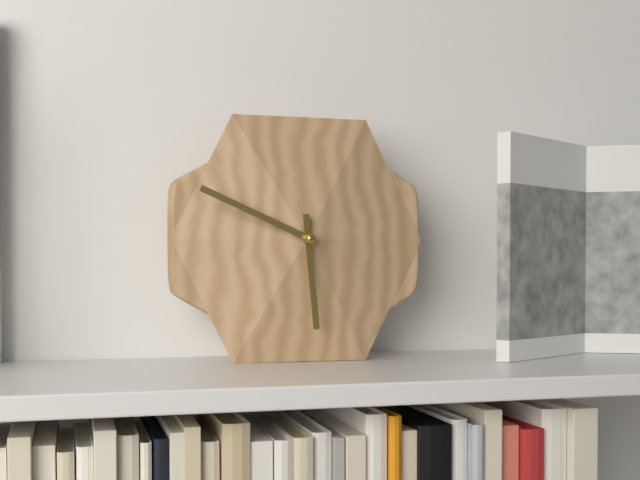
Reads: h=5 m=49
